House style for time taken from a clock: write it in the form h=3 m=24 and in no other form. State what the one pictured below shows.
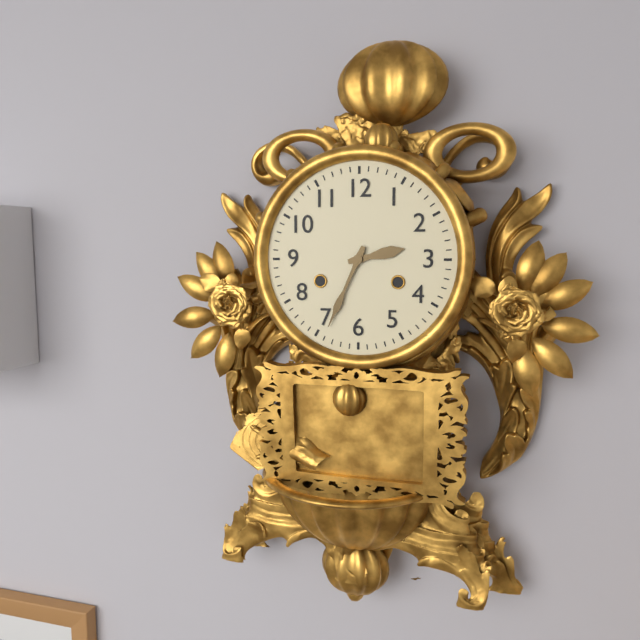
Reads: h=2 m=34
